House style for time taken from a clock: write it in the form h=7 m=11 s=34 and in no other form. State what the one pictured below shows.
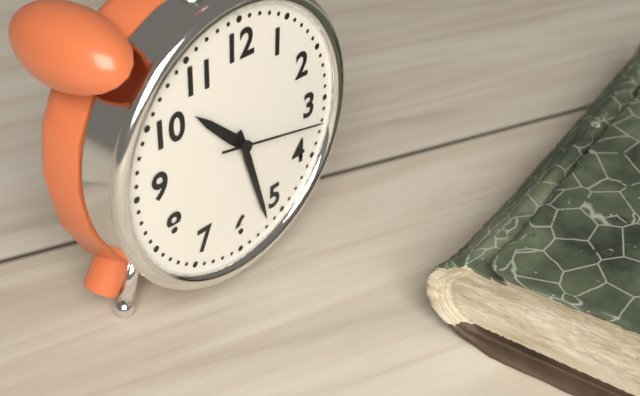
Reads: h=10 m=27 s=17
